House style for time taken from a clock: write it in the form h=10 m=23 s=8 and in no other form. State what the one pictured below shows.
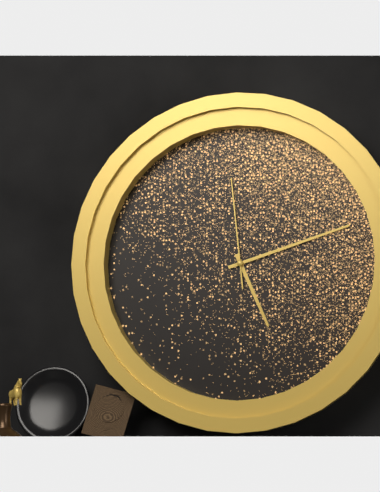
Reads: h=5 m=12 s=59
